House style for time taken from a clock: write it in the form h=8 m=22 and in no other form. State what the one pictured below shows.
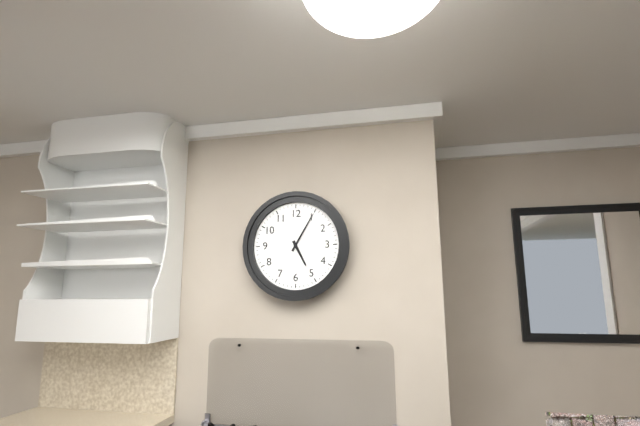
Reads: h=5 m=5
